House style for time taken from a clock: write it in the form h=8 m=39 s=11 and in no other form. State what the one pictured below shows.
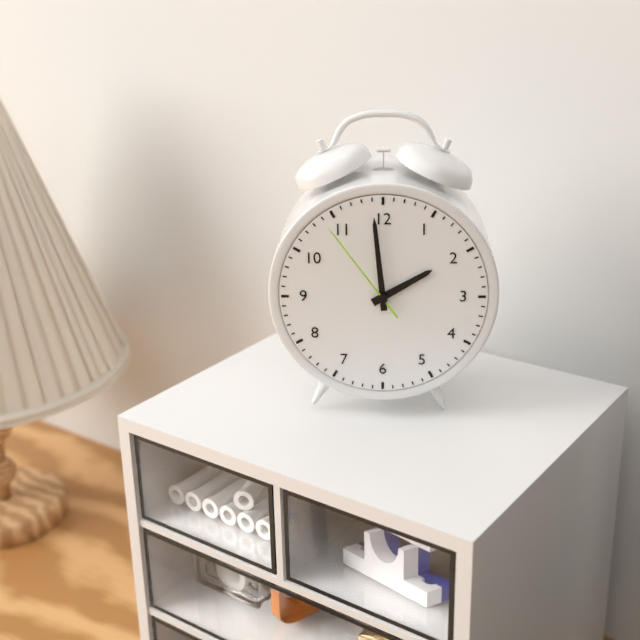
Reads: h=1 m=59 s=54
